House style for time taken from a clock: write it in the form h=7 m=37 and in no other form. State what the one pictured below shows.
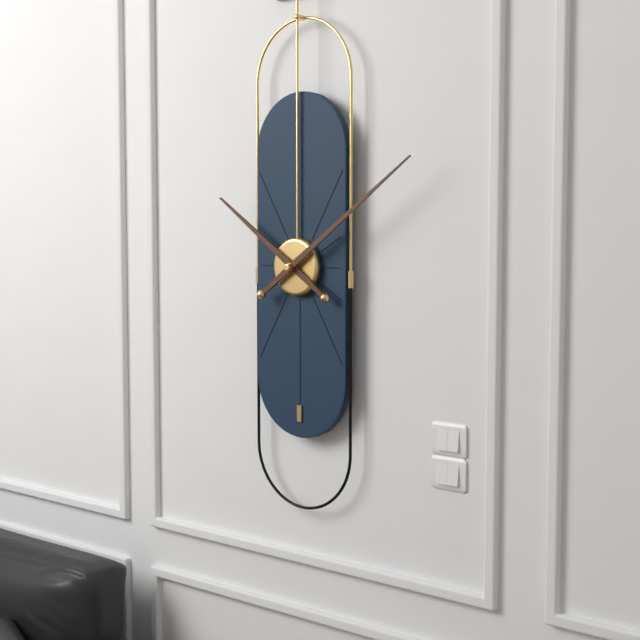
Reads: h=10 m=9
